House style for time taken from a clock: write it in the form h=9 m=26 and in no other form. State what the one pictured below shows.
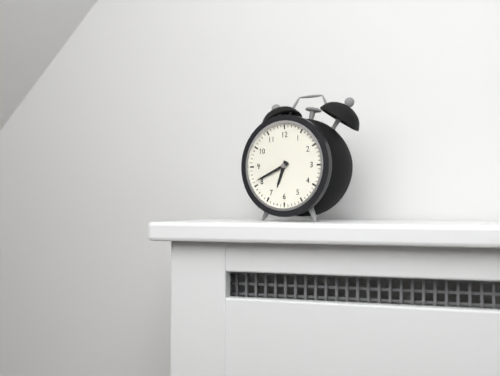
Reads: h=6 m=41
